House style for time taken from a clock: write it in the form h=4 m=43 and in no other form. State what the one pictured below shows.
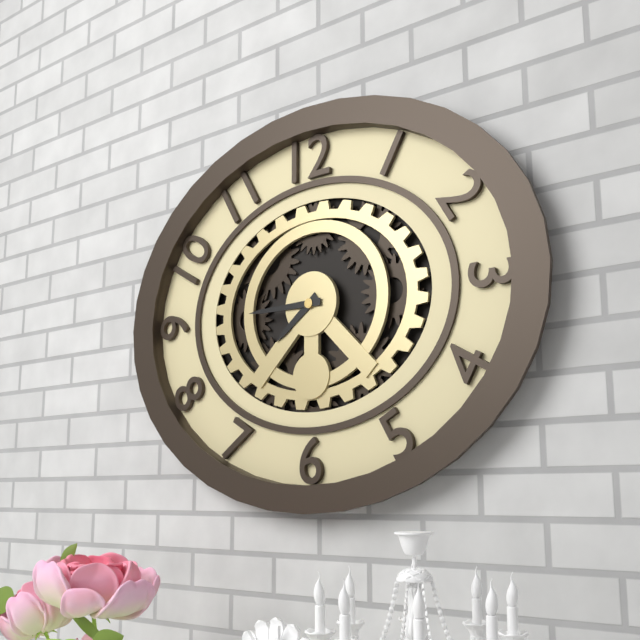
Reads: h=7 m=45
